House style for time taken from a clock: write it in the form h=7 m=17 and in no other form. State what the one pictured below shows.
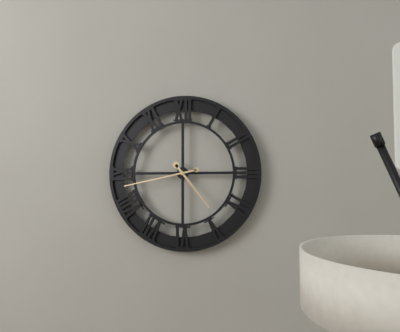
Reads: h=4 m=43
